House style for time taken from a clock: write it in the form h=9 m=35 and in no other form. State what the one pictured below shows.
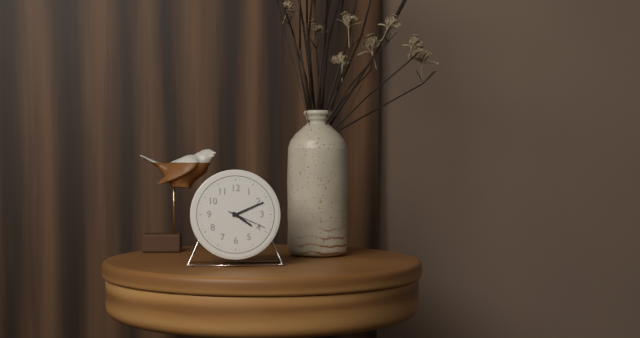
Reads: h=4 m=11
